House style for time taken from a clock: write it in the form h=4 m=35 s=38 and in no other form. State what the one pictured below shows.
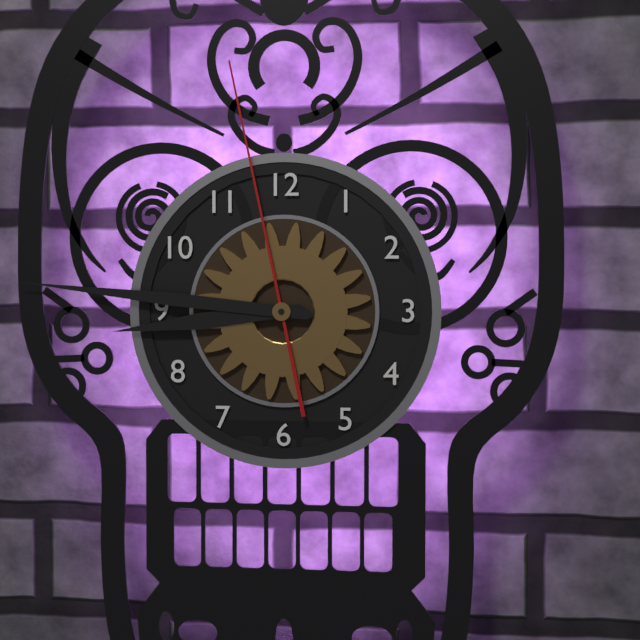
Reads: h=8 m=46 s=58
